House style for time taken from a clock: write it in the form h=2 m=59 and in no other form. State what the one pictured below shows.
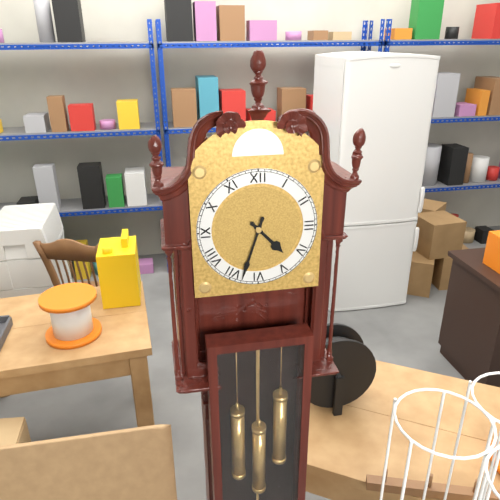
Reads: h=4 m=33
